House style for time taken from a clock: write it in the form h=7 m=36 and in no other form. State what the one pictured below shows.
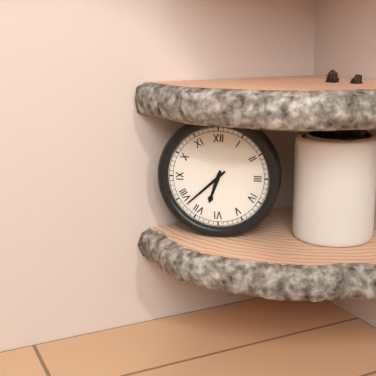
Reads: h=6 m=38
